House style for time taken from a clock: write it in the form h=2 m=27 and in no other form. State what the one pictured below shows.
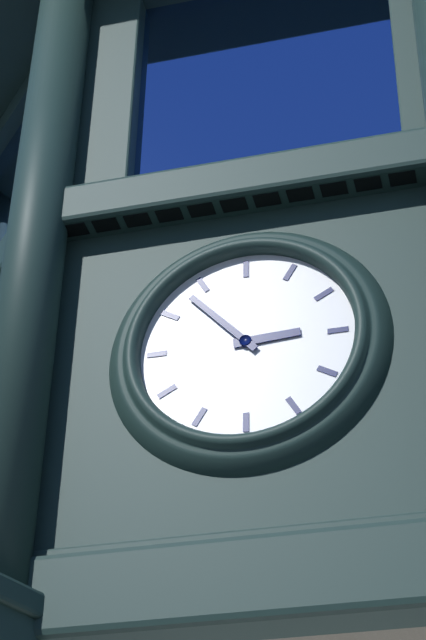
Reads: h=2 m=53
